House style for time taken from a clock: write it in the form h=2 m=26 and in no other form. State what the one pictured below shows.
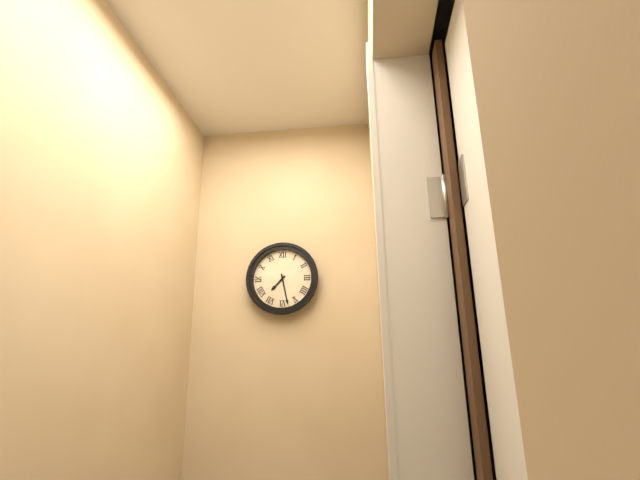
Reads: h=7 m=28
